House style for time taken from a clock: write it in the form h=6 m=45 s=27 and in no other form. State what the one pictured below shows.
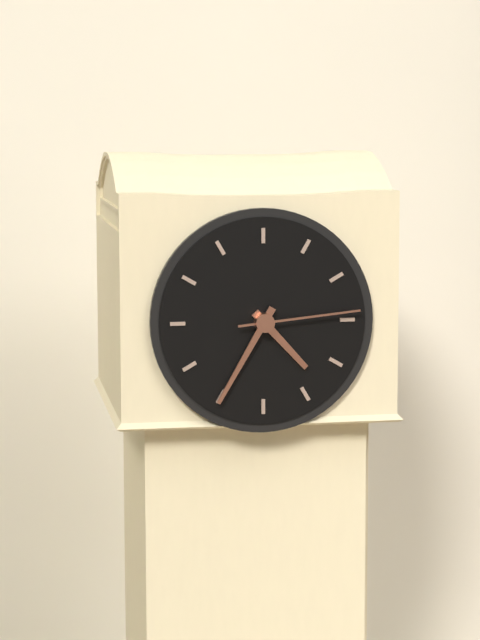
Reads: h=4 m=35 s=14
